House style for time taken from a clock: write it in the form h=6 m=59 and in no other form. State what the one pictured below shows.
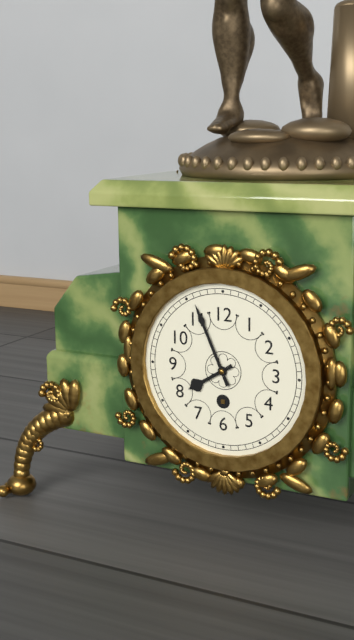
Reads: h=7 m=56
